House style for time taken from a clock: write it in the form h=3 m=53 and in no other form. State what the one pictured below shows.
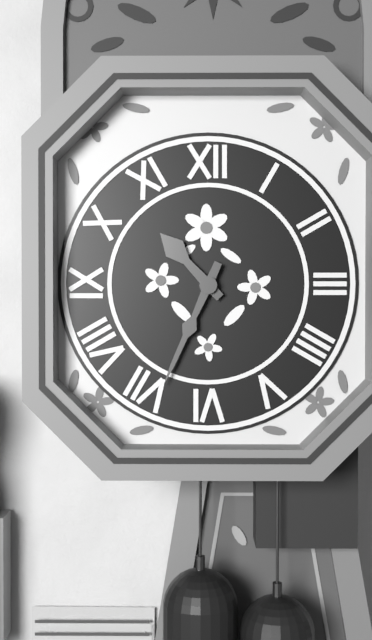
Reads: h=10 m=34
